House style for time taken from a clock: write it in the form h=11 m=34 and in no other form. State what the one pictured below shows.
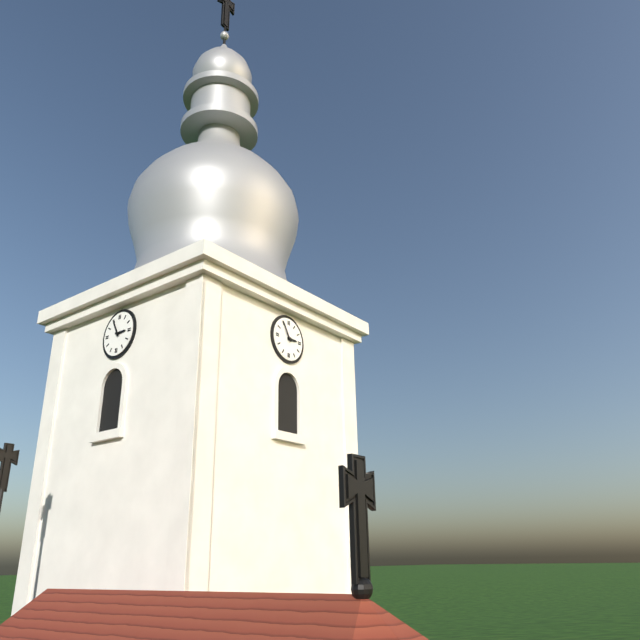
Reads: h=2 m=55
